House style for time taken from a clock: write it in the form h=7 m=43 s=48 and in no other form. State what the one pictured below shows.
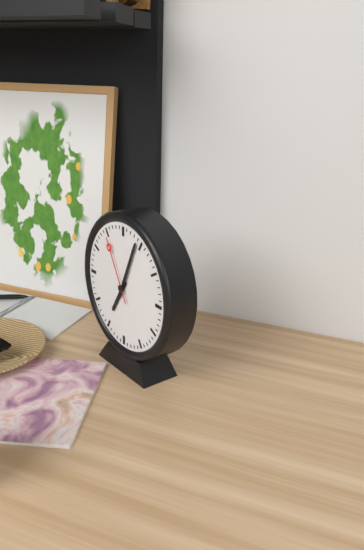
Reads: h=7 m=4 s=55
